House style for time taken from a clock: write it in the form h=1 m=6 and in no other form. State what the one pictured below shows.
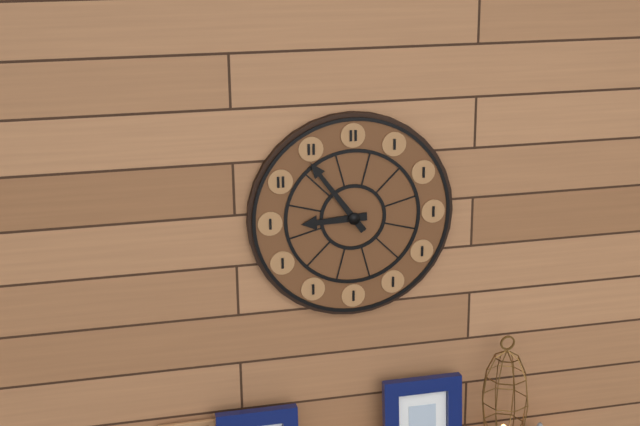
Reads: h=8 m=54
